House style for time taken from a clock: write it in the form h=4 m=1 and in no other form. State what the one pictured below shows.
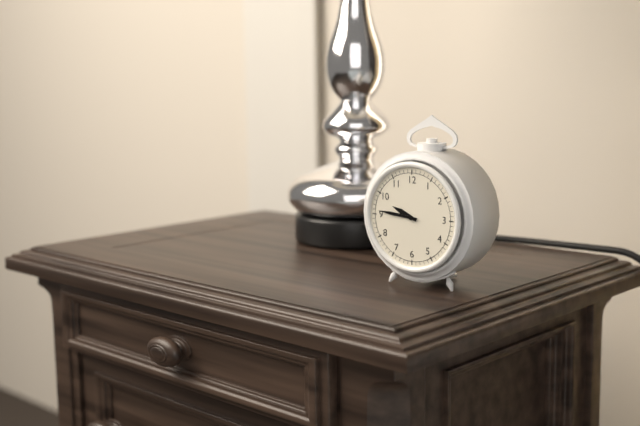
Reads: h=9 m=46
